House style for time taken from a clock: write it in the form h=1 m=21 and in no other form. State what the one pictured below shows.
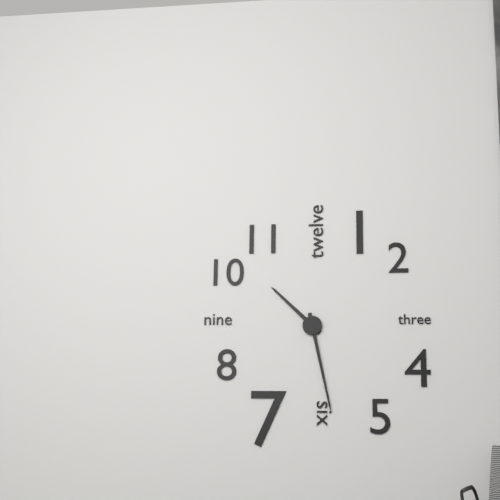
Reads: h=10 m=28
